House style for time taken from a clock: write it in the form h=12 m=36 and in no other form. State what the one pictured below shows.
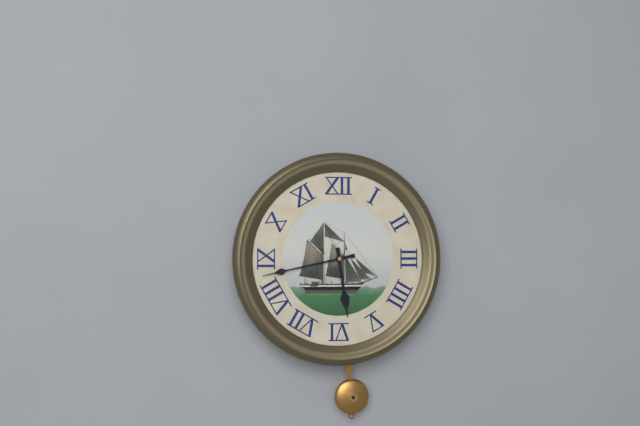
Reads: h=5 m=43
